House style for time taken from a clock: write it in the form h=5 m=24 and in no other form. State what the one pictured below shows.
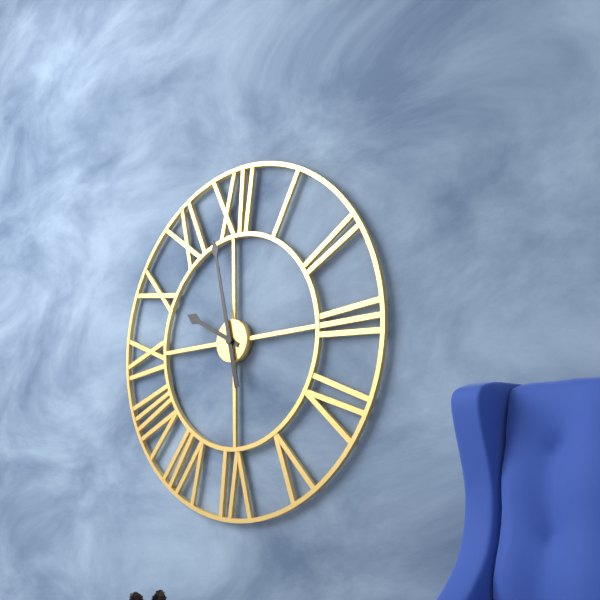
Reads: h=9 m=58
